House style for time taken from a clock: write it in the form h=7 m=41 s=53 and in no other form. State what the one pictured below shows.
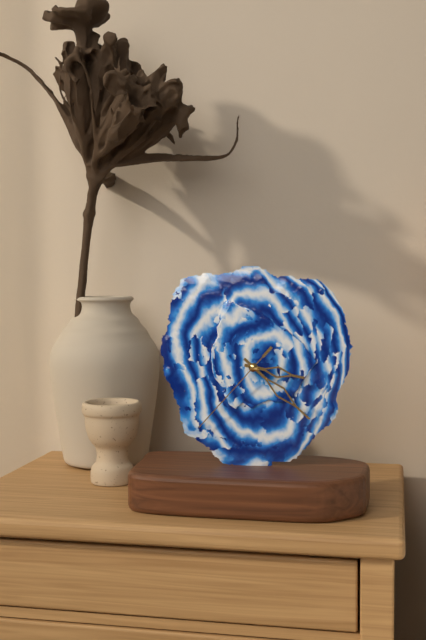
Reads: h=3 m=22 s=37
